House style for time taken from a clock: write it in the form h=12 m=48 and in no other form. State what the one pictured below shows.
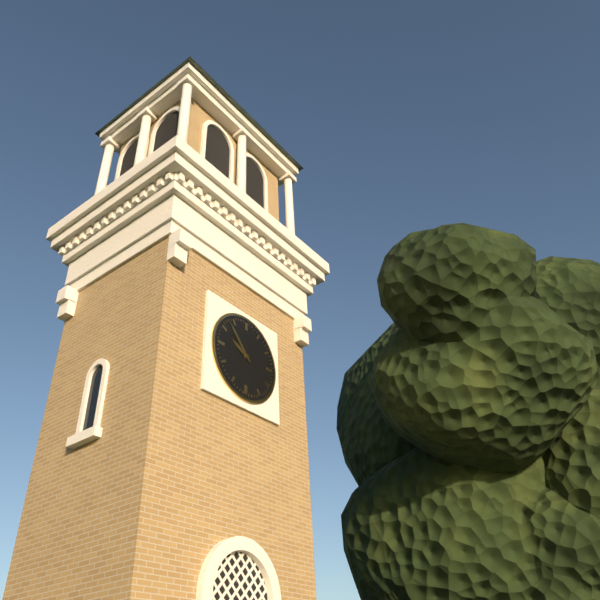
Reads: h=9 m=53
